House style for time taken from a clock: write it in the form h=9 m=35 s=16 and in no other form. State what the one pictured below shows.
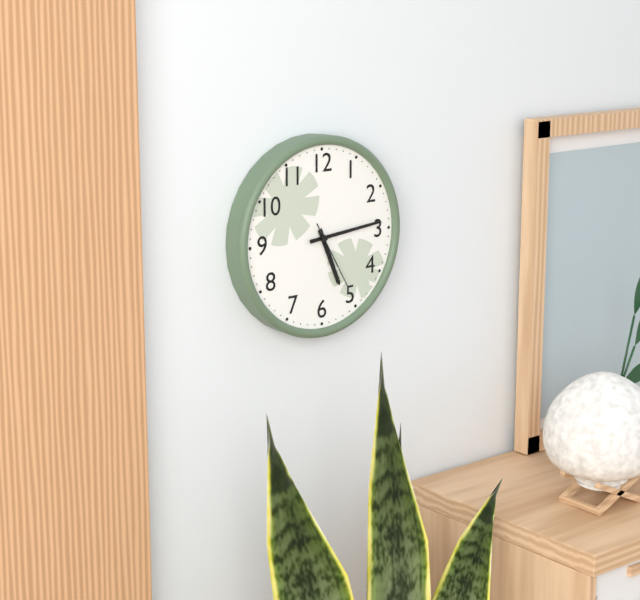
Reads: h=5 m=14 s=25
